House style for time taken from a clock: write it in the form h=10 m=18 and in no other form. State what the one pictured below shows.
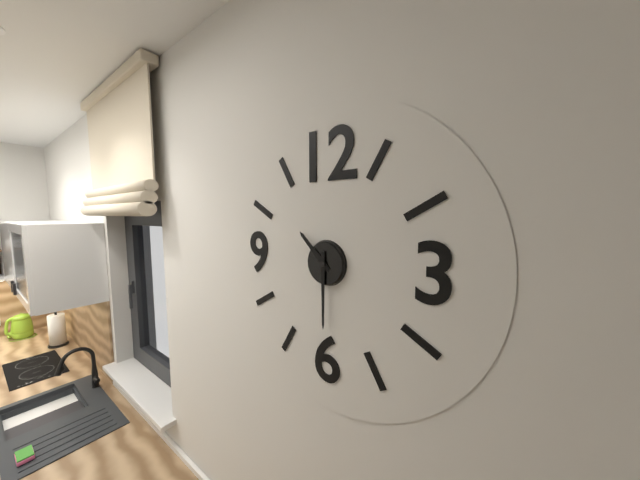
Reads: h=10 m=30
